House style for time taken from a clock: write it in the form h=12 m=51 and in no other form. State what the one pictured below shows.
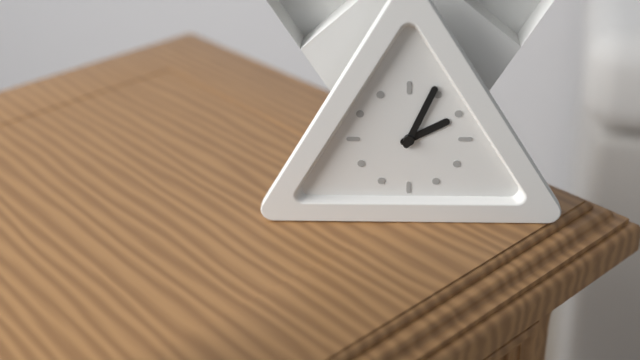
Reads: h=2 m=4
